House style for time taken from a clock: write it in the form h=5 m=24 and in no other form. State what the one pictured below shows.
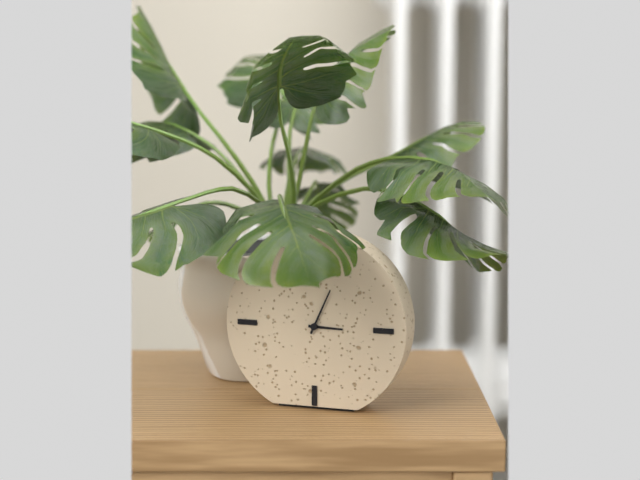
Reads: h=3 m=4
